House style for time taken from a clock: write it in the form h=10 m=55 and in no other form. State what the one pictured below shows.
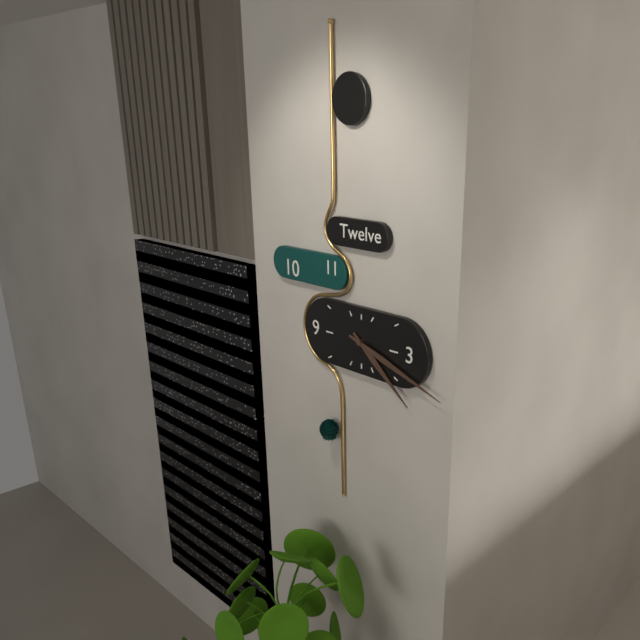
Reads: h=4 m=18
